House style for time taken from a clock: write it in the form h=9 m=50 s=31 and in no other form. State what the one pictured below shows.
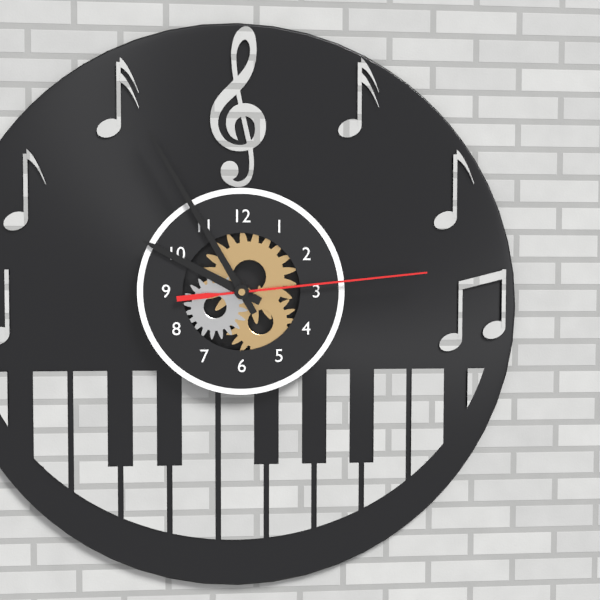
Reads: h=9 m=55 s=14
